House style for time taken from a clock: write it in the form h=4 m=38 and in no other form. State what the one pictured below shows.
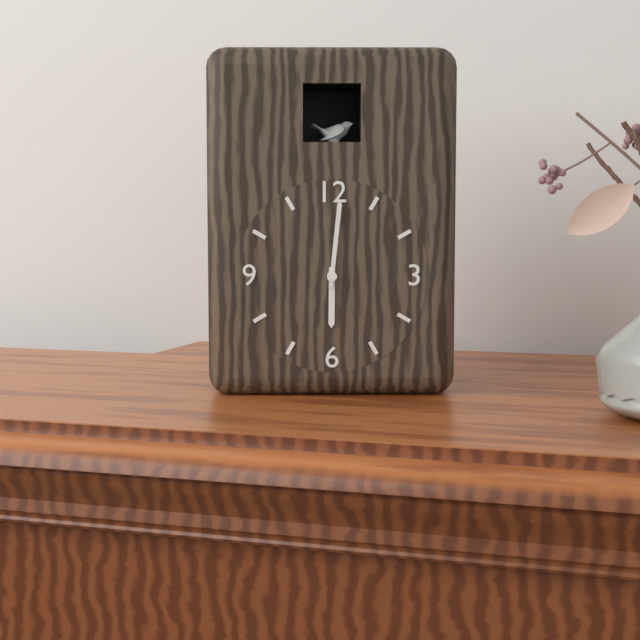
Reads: h=6 m=1
